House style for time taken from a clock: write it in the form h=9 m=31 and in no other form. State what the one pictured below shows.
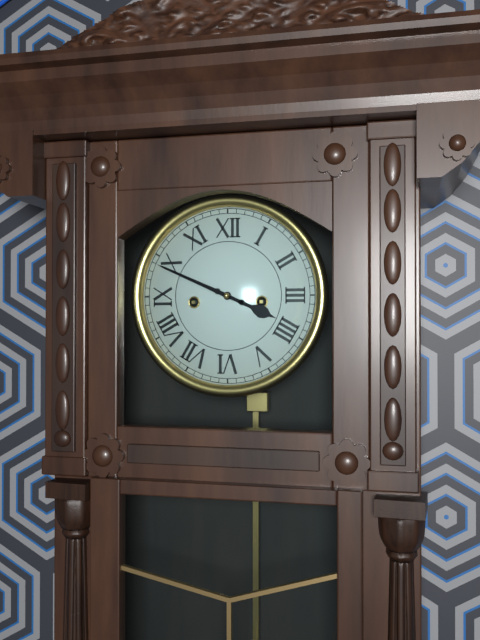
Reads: h=3 m=49
